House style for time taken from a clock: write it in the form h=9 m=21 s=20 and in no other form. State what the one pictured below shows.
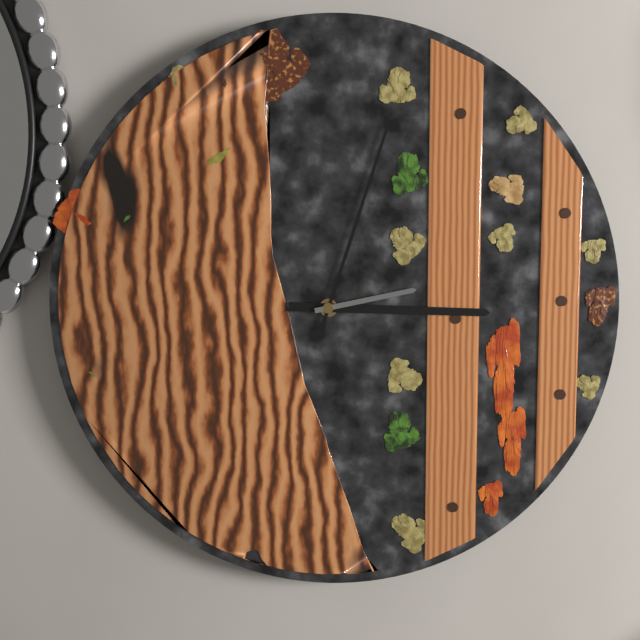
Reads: h=3 m=3 s=13
